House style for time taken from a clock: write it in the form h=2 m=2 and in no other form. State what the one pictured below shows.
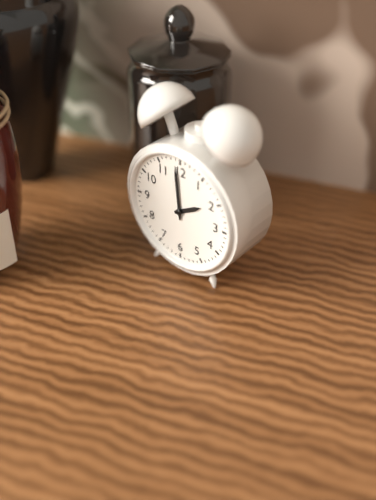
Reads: h=1 m=59
